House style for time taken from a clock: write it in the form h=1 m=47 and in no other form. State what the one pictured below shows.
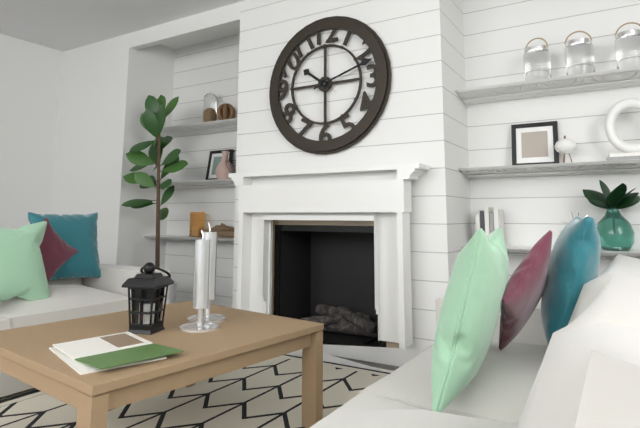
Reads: h=10 m=12
